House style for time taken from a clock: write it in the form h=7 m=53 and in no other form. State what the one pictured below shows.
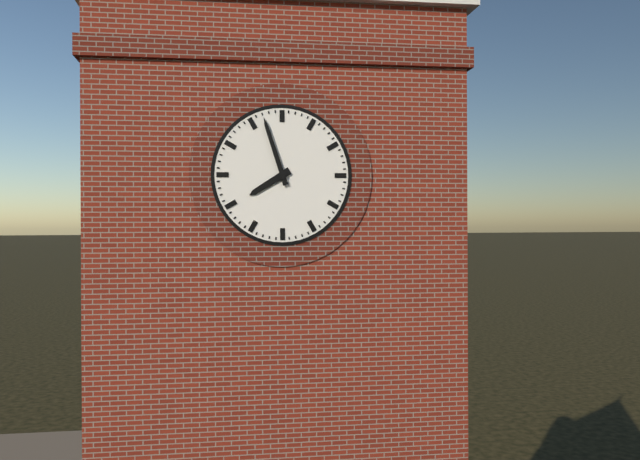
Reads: h=7 m=57
